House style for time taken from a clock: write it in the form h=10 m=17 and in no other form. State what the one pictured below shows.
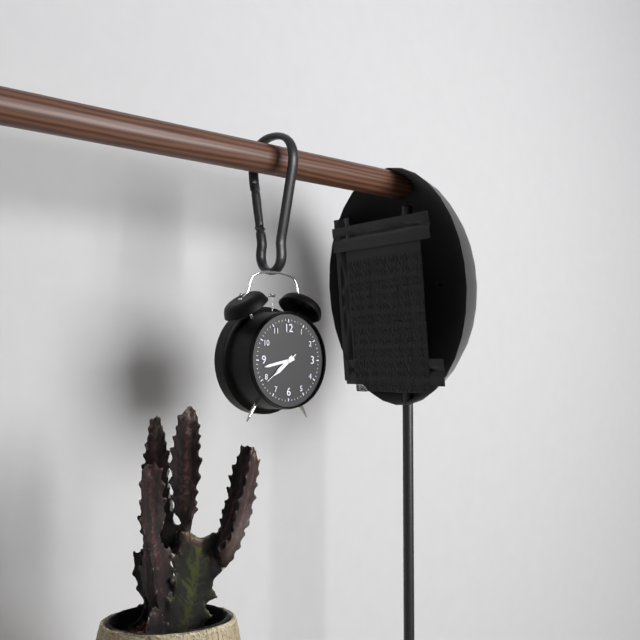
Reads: h=7 m=43
